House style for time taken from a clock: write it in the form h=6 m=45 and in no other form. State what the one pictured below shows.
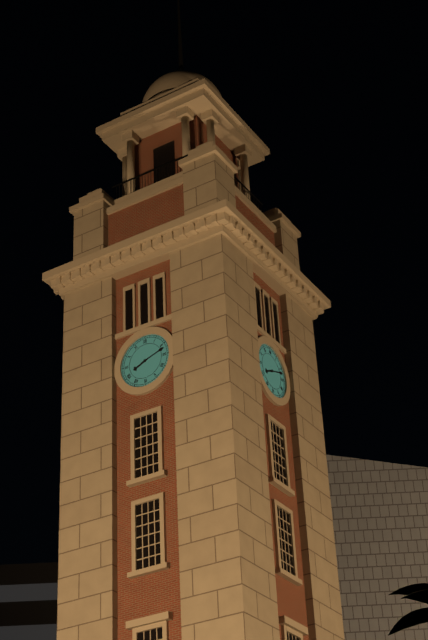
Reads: h=8 m=12
